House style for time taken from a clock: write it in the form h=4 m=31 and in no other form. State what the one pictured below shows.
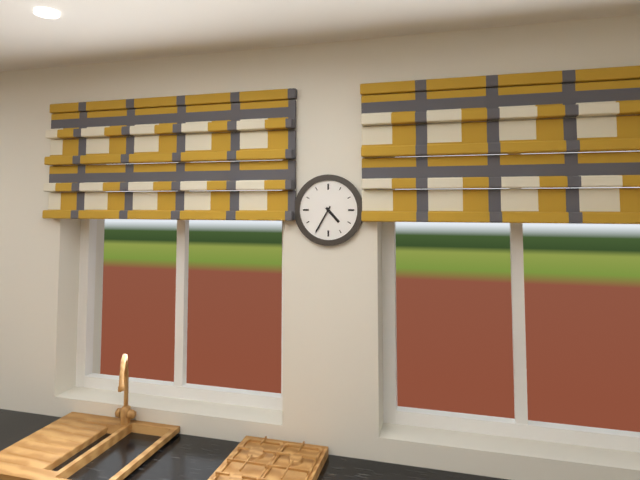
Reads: h=4 m=35
